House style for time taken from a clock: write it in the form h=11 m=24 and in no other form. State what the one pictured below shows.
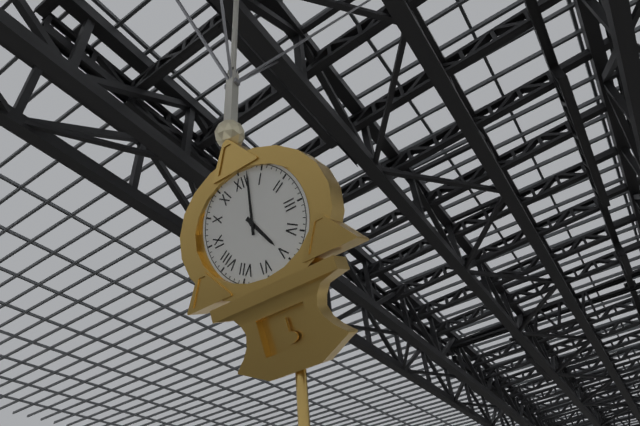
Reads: h=5 m=2
